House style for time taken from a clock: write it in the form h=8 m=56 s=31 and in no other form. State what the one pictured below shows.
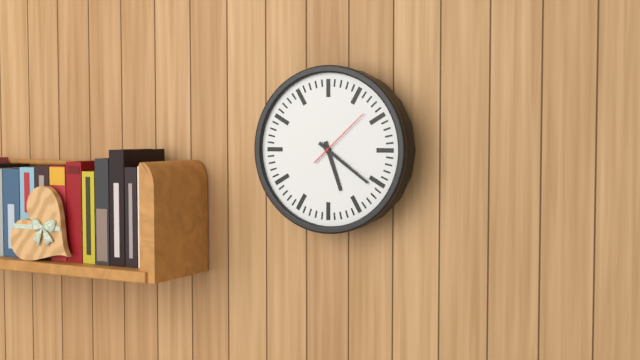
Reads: h=5 m=21 s=8
